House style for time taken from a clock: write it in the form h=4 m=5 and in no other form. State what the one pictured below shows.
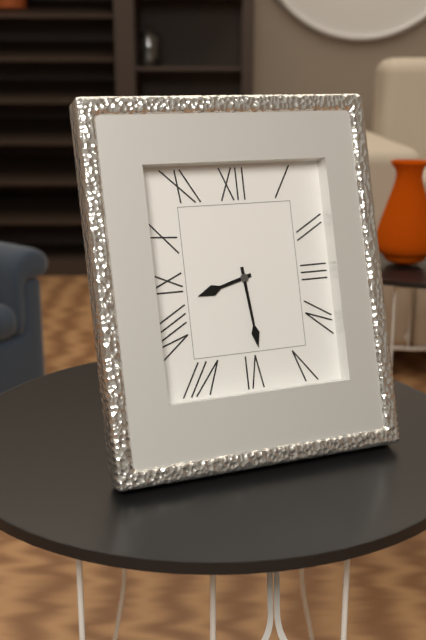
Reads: h=8 m=29
